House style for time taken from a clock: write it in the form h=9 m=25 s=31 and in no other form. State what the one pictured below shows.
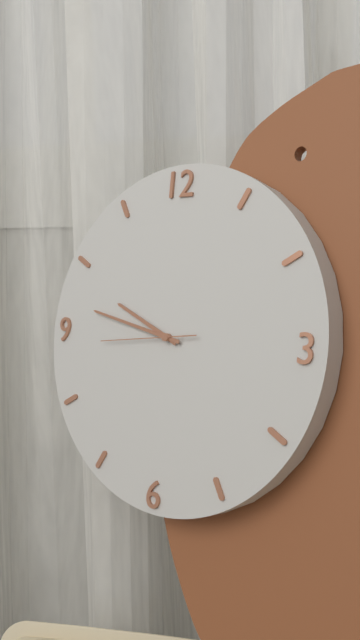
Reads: h=9 m=47 s=44
